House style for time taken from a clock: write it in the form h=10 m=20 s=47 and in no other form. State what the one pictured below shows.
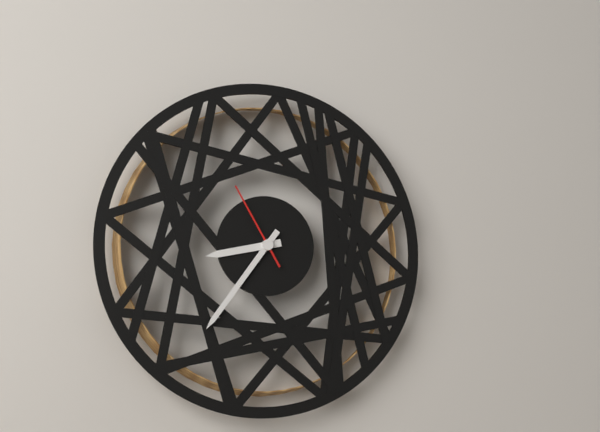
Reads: h=8 m=36 s=55
